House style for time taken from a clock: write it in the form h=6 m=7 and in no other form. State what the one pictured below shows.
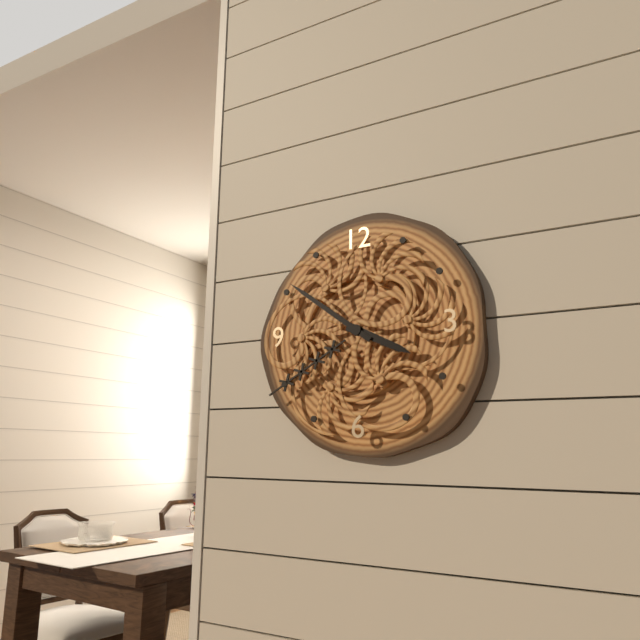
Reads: h=3 m=51
